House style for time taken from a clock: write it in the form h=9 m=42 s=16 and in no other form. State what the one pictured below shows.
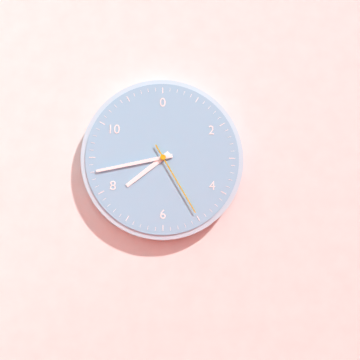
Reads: h=7 m=43 s=25
